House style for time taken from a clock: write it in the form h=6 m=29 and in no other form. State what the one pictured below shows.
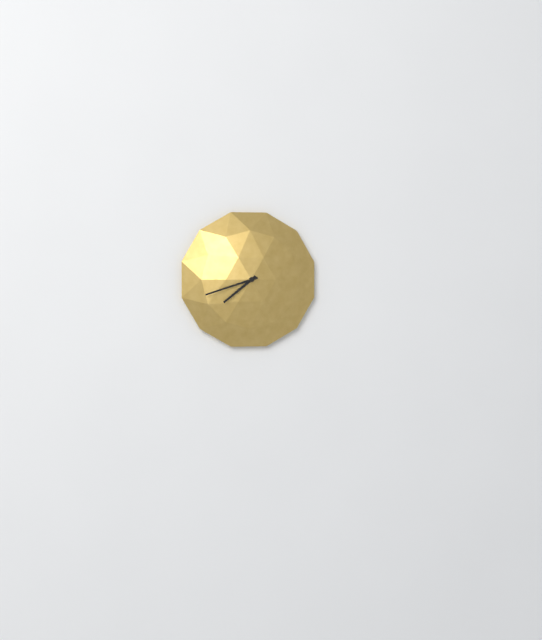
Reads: h=7 m=42
